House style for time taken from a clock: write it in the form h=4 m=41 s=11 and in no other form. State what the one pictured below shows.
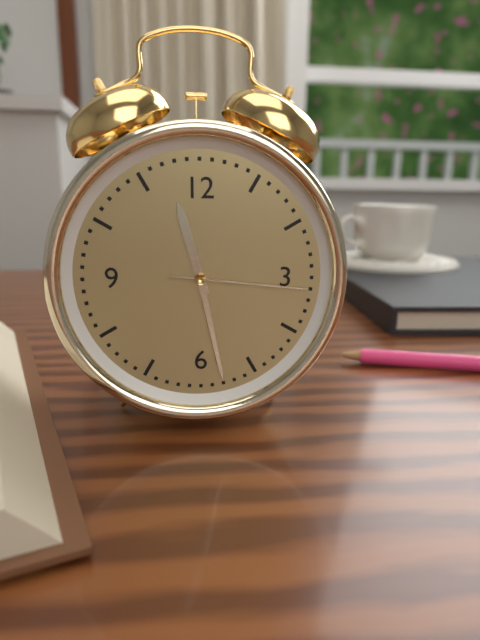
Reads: h=11 m=28 s=16
